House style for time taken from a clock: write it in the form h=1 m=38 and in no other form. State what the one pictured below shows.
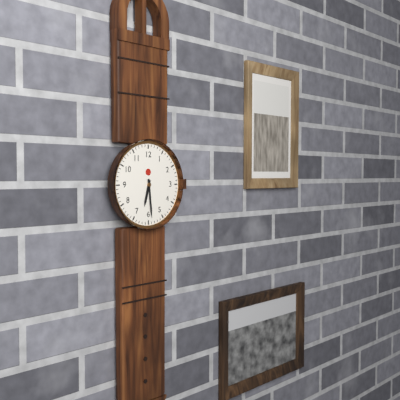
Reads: h=6 m=29
